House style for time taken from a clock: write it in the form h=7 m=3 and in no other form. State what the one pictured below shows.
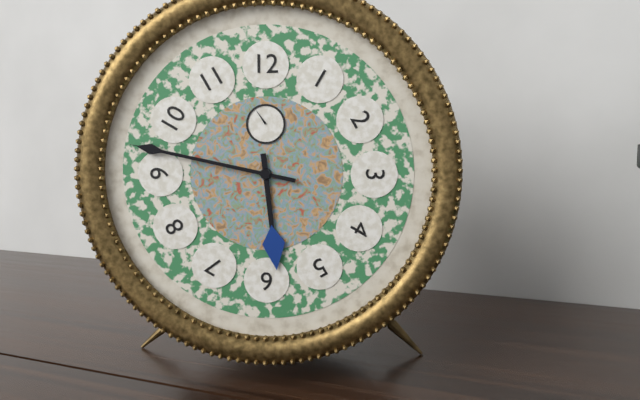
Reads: h=5 m=47
